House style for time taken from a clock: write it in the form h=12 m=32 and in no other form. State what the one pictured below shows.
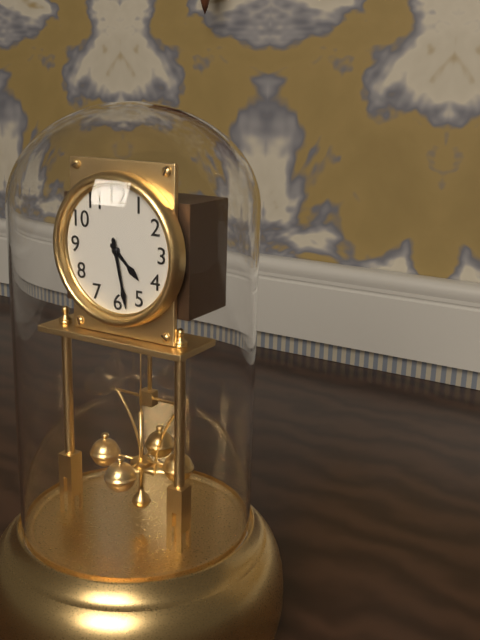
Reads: h=4 m=28
